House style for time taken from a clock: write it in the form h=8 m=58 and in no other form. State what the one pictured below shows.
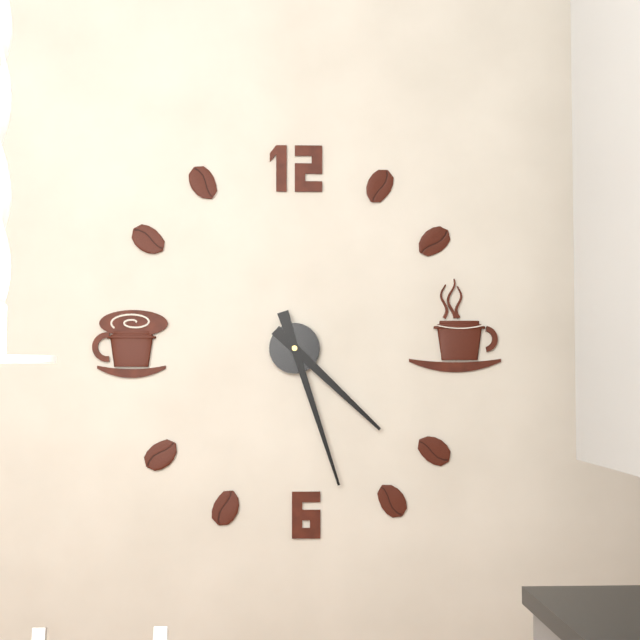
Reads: h=4 m=27
